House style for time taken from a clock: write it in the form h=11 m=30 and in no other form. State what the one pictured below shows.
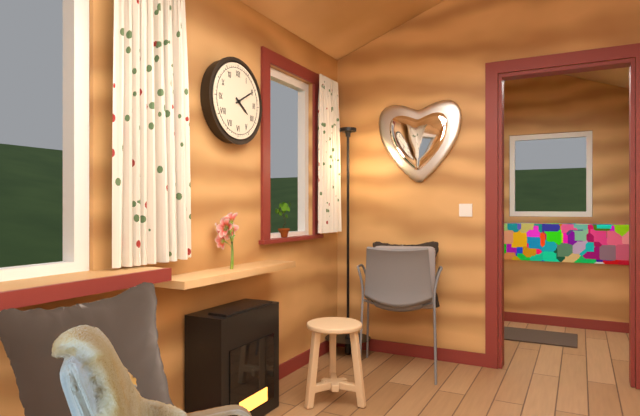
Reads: h=4 m=10
